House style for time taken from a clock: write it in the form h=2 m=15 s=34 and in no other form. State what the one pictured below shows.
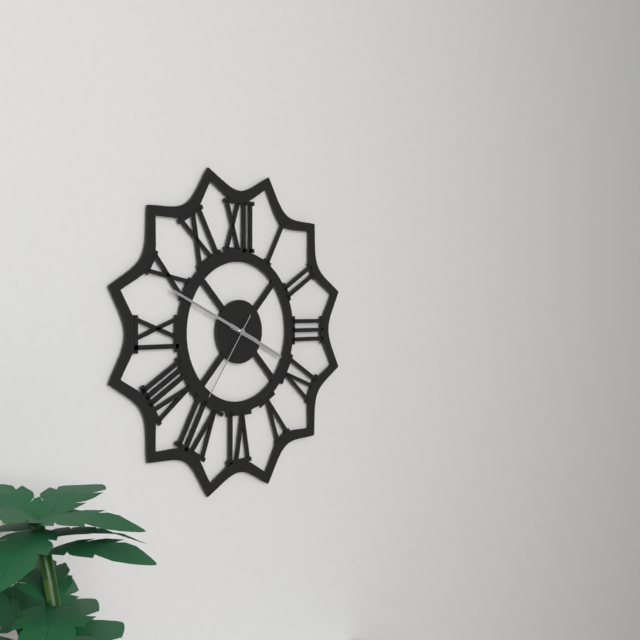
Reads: h=3 m=49 s=36
